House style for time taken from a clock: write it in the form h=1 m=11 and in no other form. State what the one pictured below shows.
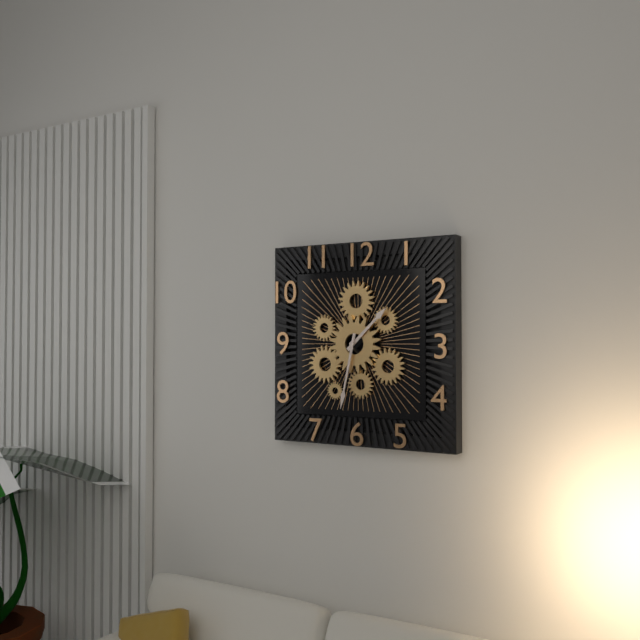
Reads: h=1 m=32
